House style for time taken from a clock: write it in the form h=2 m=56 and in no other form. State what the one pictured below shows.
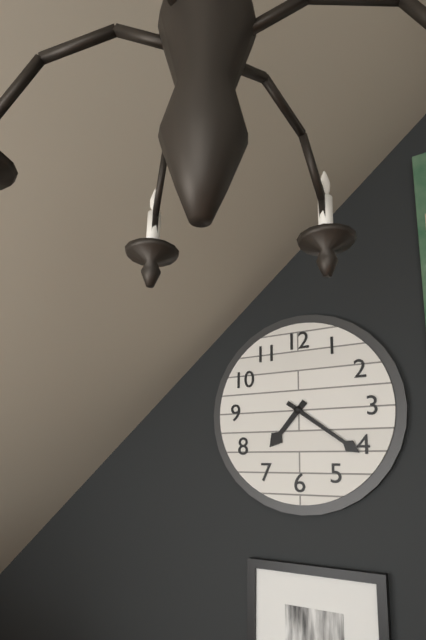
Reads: h=7 m=21
